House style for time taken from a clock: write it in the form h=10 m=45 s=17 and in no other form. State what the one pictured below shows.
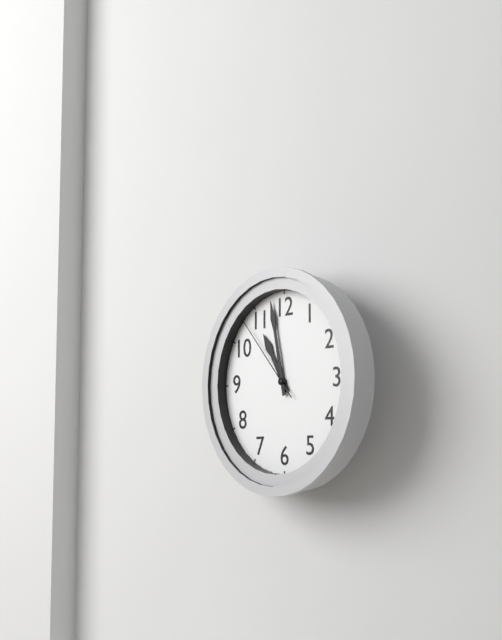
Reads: h=10 m=58 s=53
